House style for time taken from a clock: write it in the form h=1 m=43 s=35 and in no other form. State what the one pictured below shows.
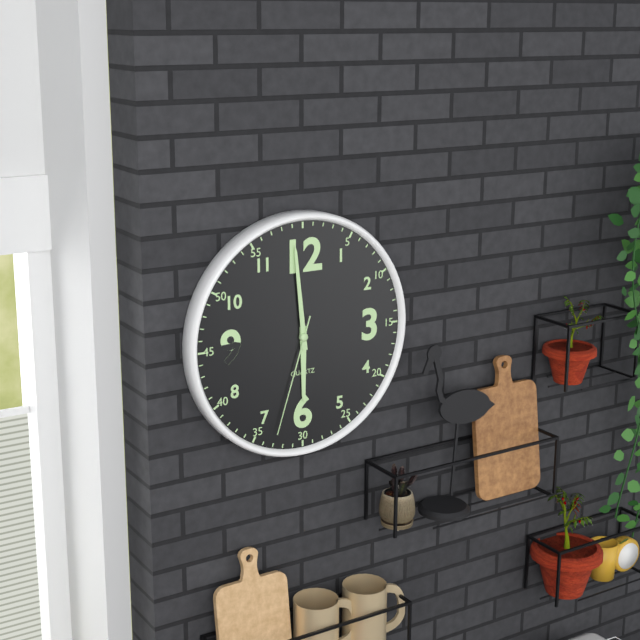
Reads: h=5 m=59 s=33
